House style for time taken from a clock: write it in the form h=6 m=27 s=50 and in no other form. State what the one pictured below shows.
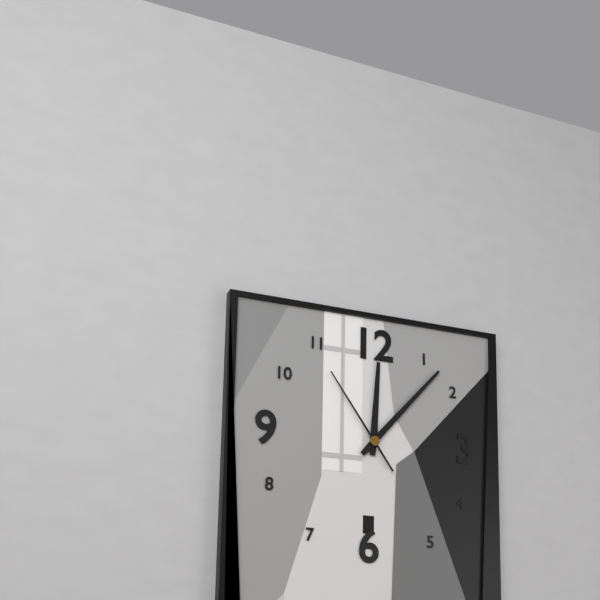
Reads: h=12 m=7 s=54
